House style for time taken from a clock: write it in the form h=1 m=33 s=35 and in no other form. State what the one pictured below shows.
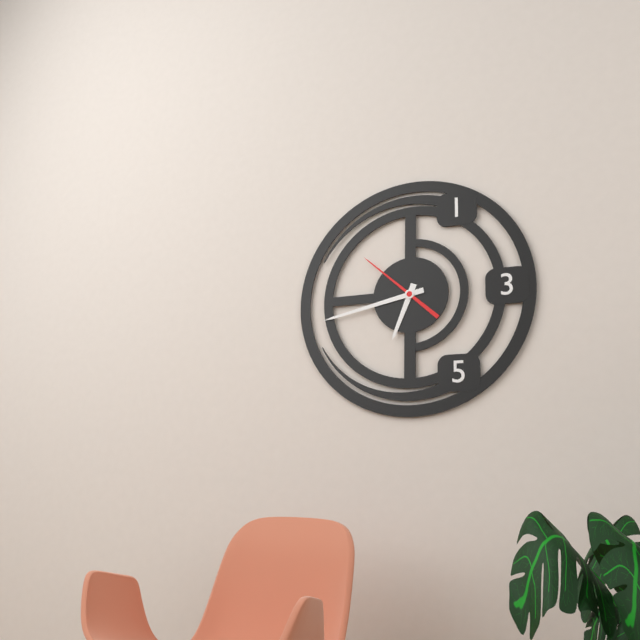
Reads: h=6 m=43 s=52
